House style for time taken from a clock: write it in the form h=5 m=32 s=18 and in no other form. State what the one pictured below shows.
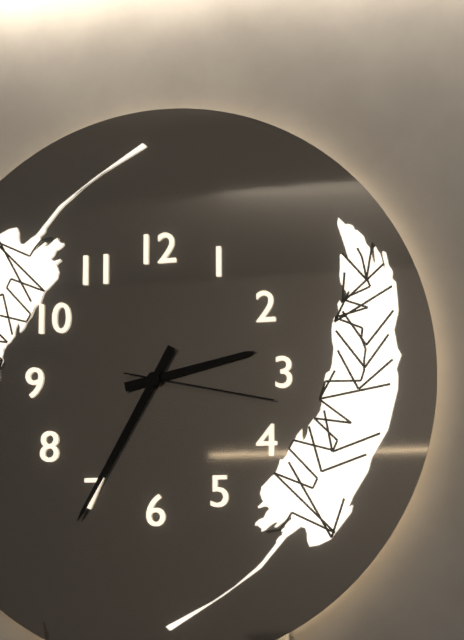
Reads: h=2 m=35 s=17
